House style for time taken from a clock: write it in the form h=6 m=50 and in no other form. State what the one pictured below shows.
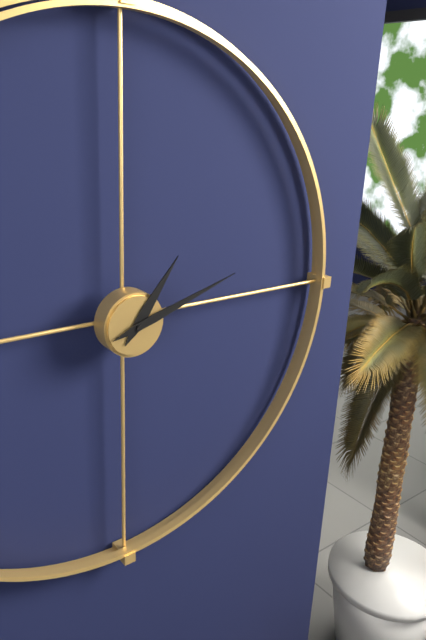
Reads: h=1 m=12
